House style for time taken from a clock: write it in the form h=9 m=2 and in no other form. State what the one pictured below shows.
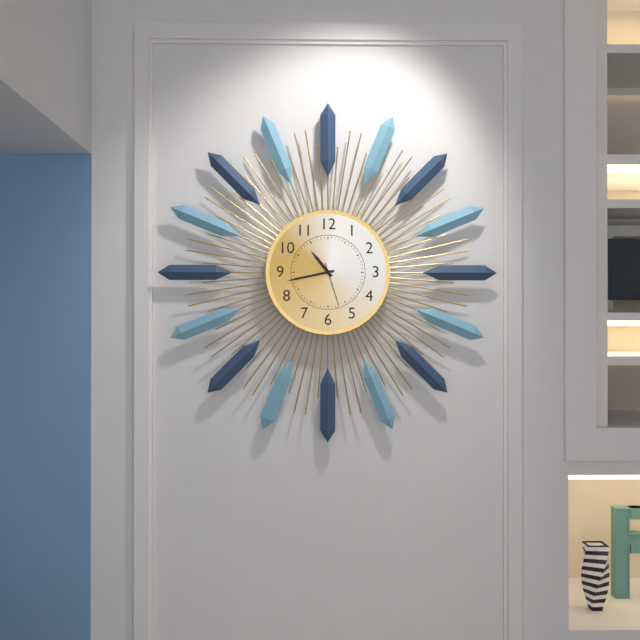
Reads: h=10 m=43
